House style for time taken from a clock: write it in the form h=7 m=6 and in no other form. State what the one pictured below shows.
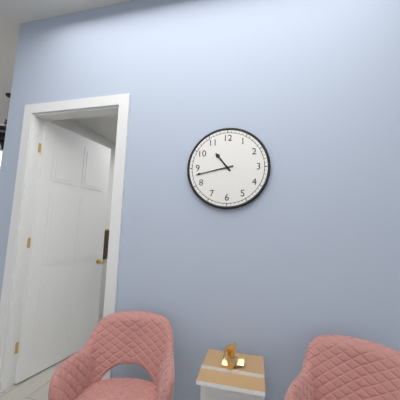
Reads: h=10 m=43
